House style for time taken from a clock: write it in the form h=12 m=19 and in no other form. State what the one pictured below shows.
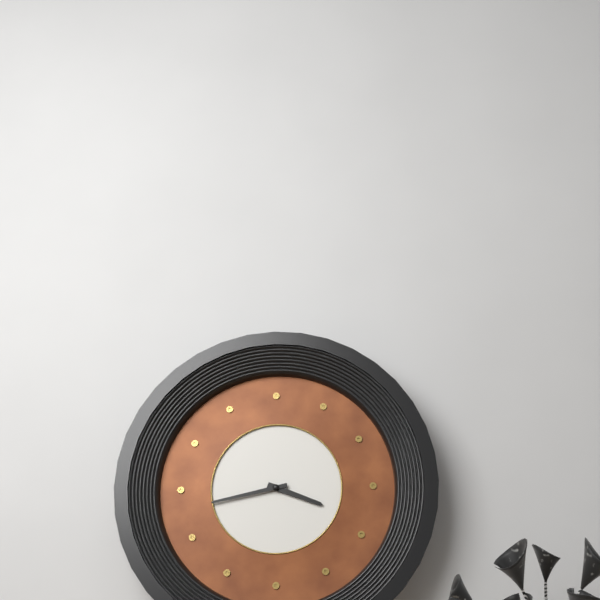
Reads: h=3 m=43
